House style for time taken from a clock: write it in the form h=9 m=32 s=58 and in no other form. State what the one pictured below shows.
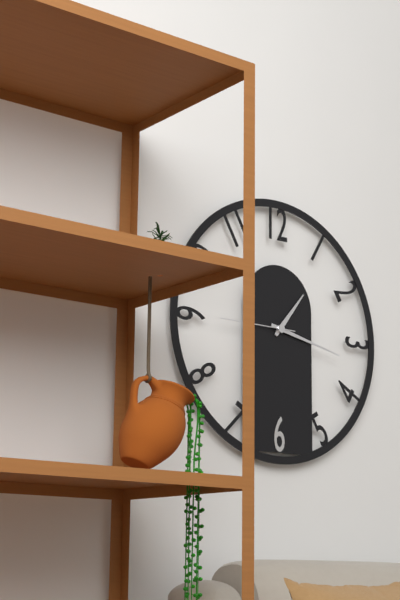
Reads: h=1 m=17 s=45
